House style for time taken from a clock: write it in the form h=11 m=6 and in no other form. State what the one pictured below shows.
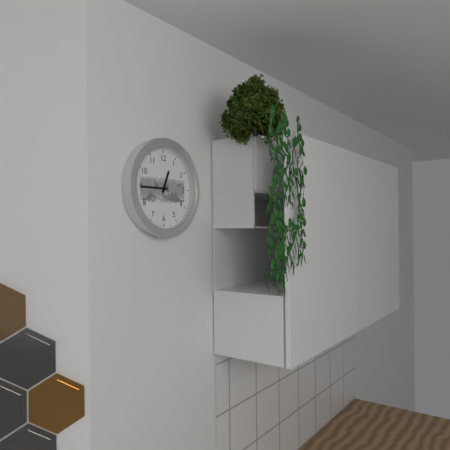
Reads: h=12 m=45
